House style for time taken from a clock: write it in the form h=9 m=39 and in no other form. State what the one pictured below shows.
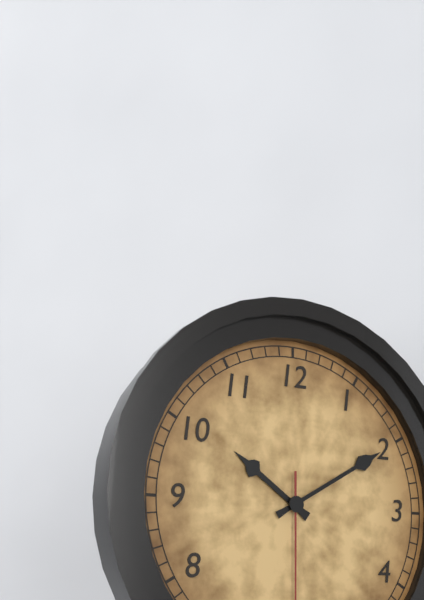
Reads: h=10 m=10
